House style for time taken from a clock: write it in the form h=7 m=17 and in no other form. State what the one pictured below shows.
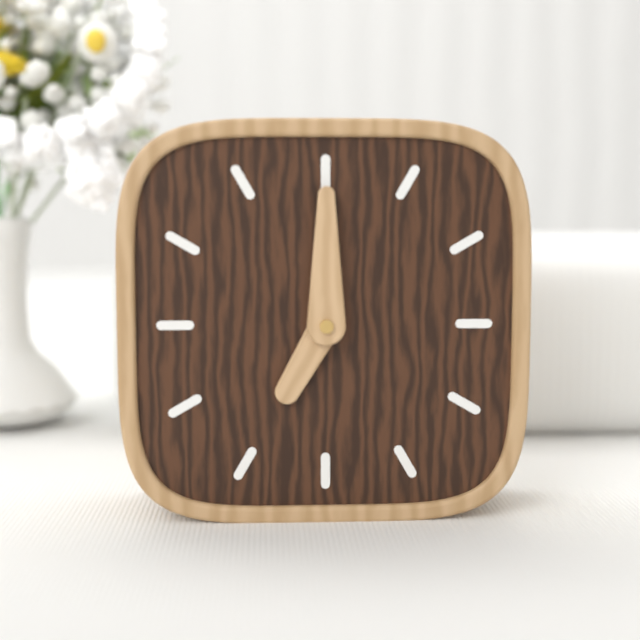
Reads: h=7 m=0
